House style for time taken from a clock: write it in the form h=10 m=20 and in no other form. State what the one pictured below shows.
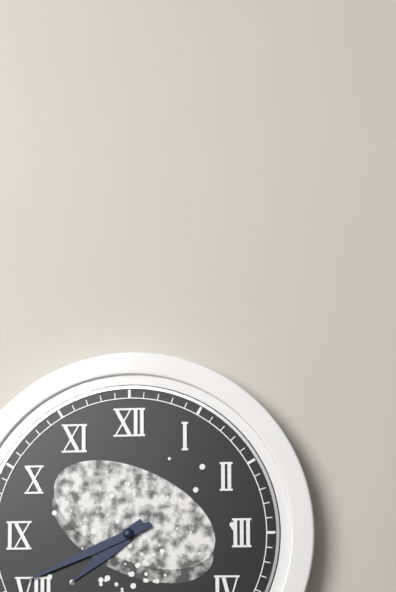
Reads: h=7 m=41
